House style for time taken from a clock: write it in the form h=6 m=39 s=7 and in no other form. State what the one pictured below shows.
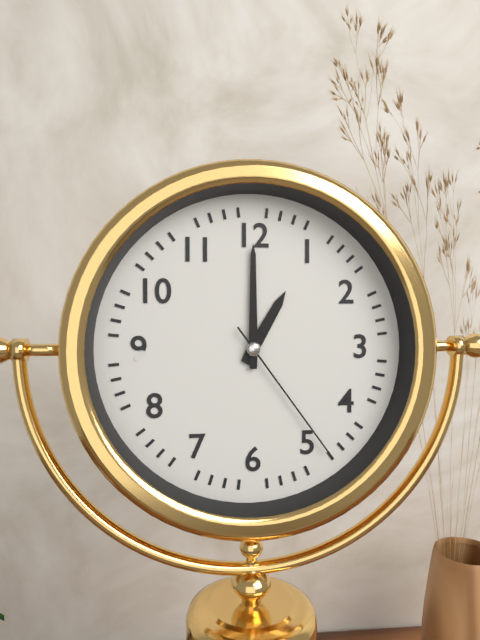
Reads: h=1 m=0 s=24
